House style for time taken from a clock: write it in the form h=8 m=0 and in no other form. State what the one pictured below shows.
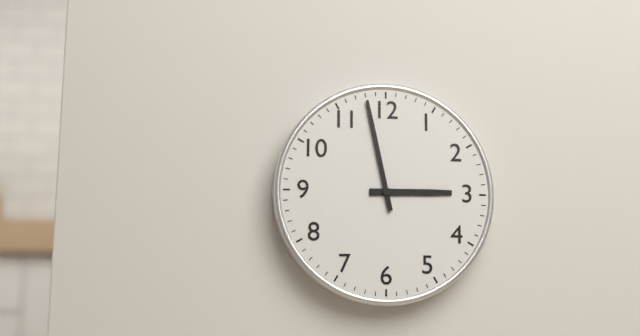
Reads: h=2 m=58
